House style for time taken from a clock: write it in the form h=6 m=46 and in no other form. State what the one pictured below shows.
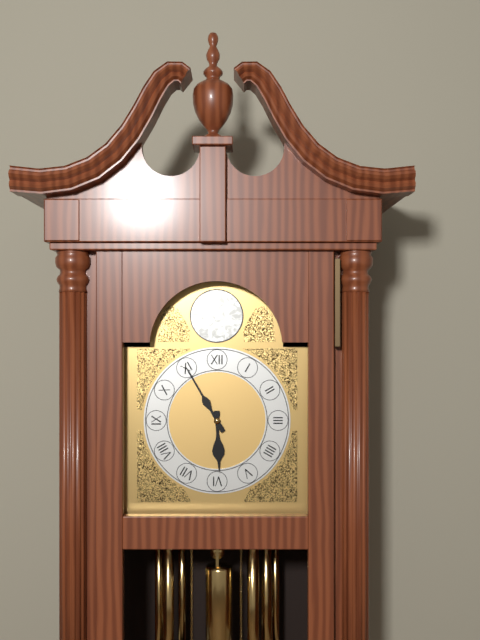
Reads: h=5 m=55
